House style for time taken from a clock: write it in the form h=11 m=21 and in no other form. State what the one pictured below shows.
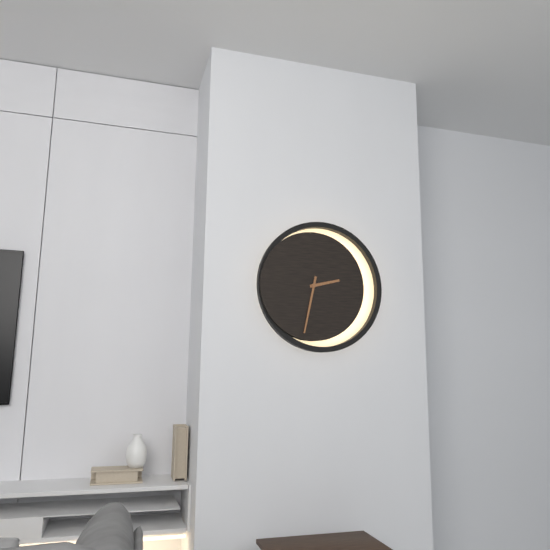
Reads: h=2 m=32
